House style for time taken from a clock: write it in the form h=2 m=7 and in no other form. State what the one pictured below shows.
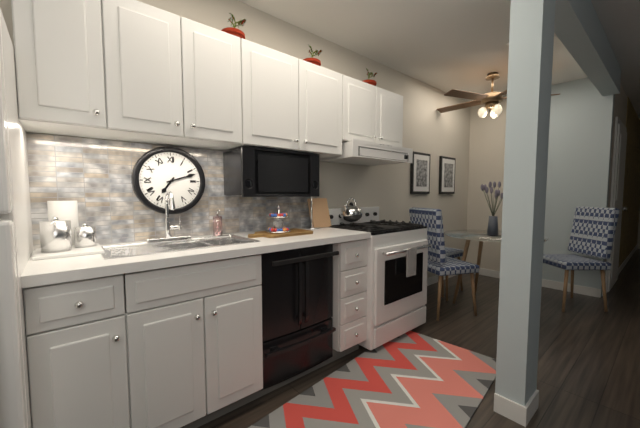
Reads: h=7 m=12
